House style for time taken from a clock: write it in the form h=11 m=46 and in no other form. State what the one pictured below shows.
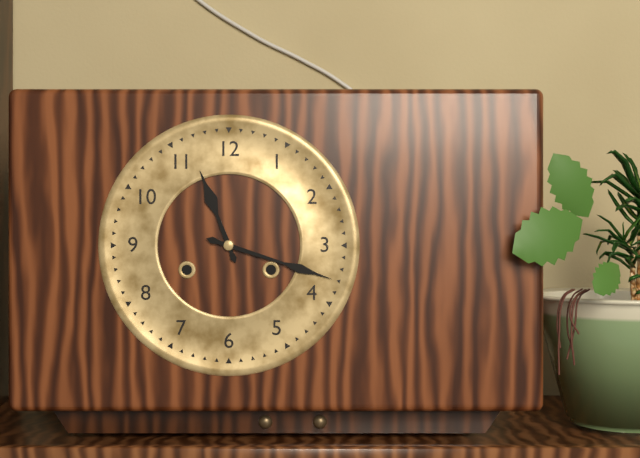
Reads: h=11 m=18
